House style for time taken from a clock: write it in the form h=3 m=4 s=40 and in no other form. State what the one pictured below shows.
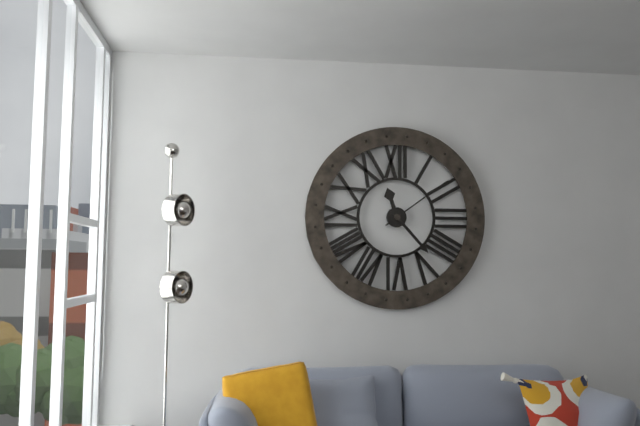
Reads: h=11 m=23 s=9
